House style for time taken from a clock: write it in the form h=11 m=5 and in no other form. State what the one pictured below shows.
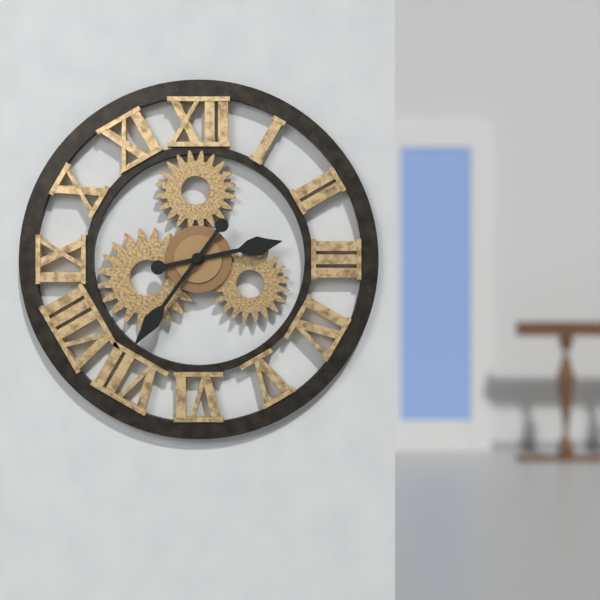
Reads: h=2 m=36
